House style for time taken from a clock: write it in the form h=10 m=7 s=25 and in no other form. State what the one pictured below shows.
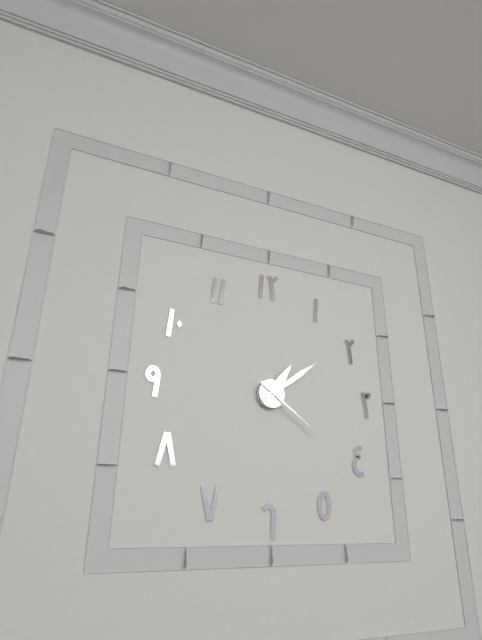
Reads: h=1 m=9 s=21
